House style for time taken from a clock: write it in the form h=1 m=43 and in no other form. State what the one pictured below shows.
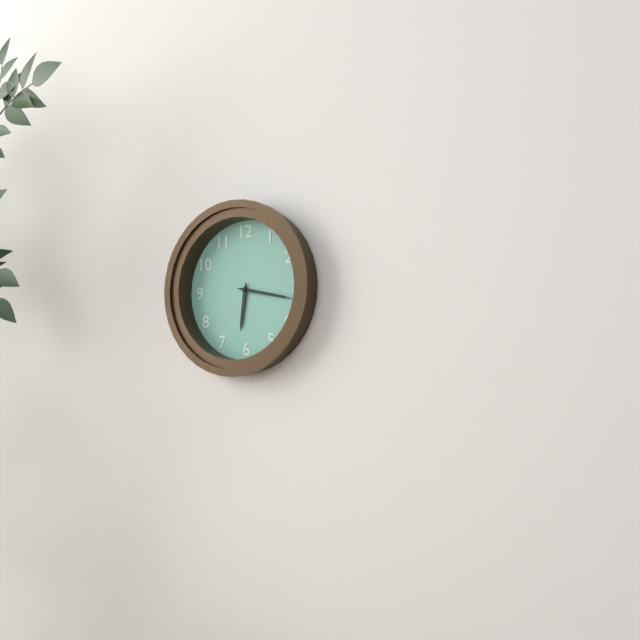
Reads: h=6 m=17
